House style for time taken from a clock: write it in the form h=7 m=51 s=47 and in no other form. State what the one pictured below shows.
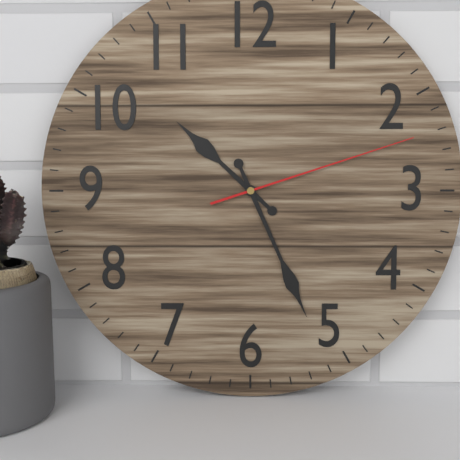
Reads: h=10 m=26 s=12
